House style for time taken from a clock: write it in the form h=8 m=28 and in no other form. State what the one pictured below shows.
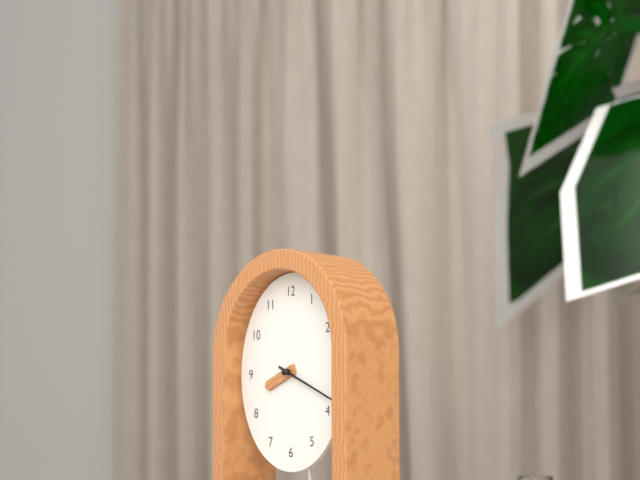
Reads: h=8 m=19
